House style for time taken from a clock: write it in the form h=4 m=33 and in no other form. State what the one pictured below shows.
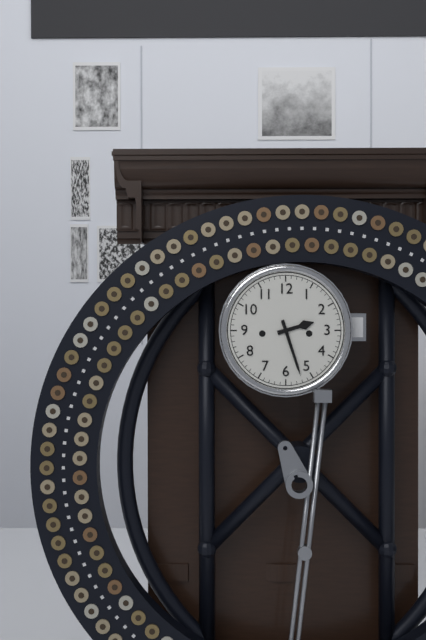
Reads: h=2 m=27
